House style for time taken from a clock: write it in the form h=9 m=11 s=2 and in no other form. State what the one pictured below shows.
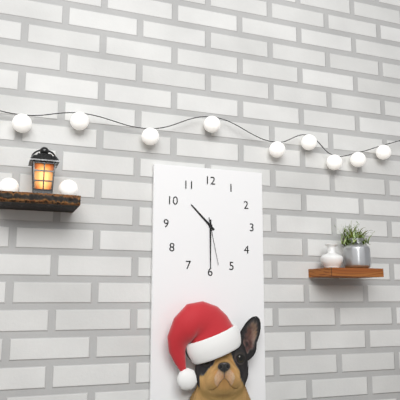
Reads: h=10 m=30 s=28
